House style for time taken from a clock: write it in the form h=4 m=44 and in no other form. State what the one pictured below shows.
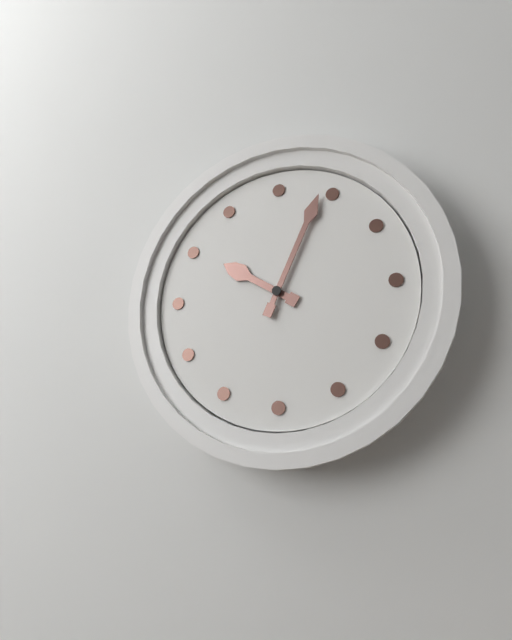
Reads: h=10 m=4
